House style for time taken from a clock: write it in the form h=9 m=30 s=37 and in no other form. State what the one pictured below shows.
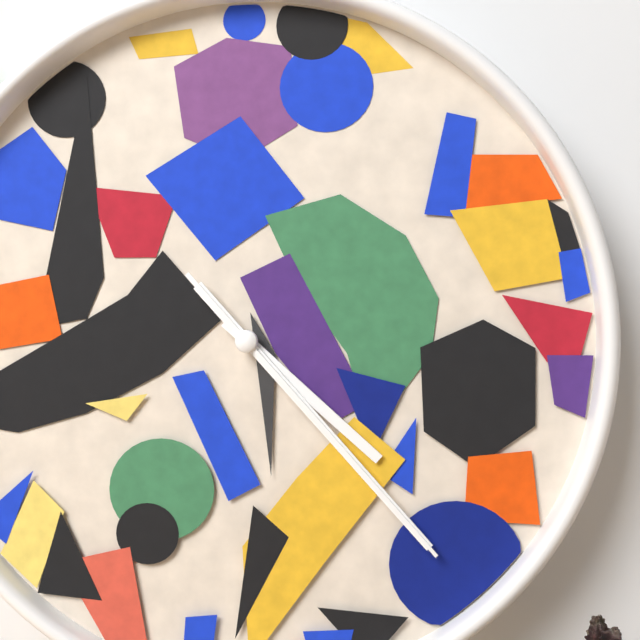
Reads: h=4 m=23 s=23
